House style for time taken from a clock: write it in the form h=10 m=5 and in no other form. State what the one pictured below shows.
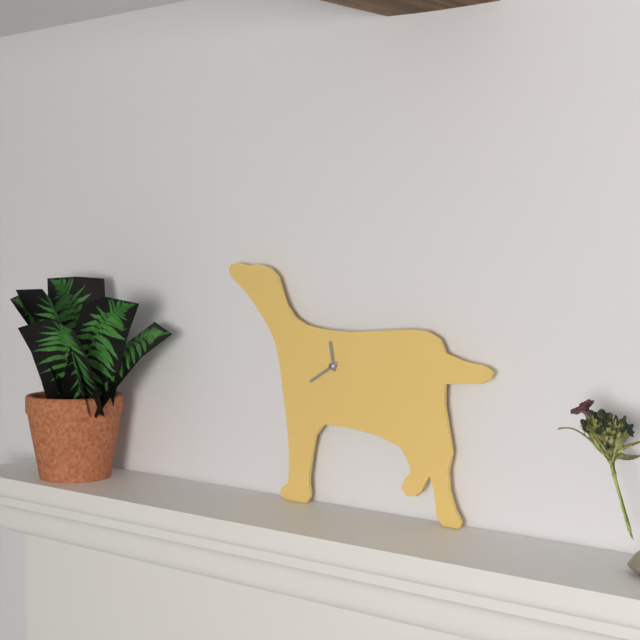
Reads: h=11 m=40
